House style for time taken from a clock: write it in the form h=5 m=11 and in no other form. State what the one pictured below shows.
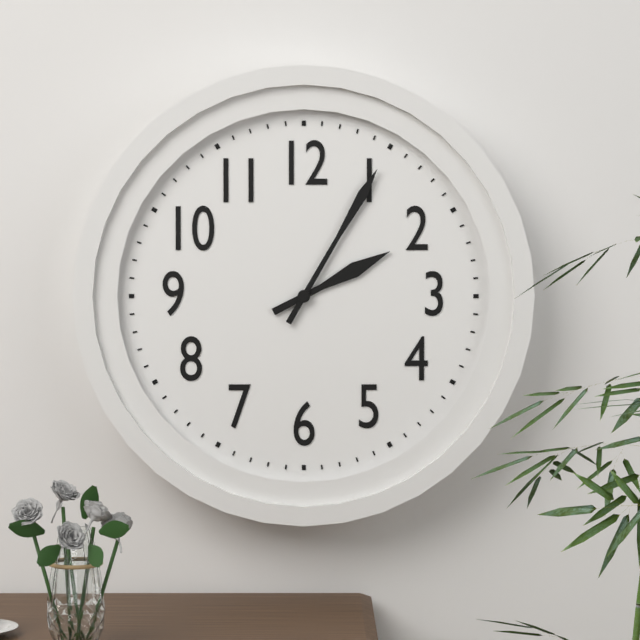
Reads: h=2 m=5
